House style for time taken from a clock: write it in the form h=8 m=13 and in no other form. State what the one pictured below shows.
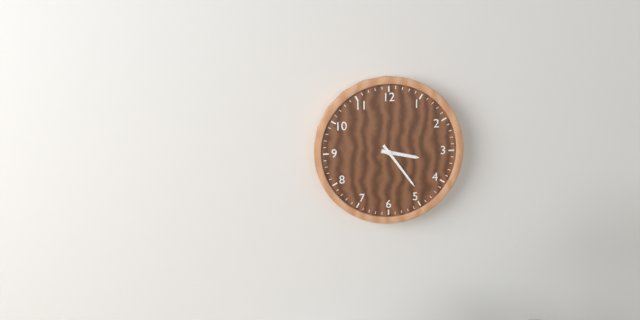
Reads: h=3 m=24
